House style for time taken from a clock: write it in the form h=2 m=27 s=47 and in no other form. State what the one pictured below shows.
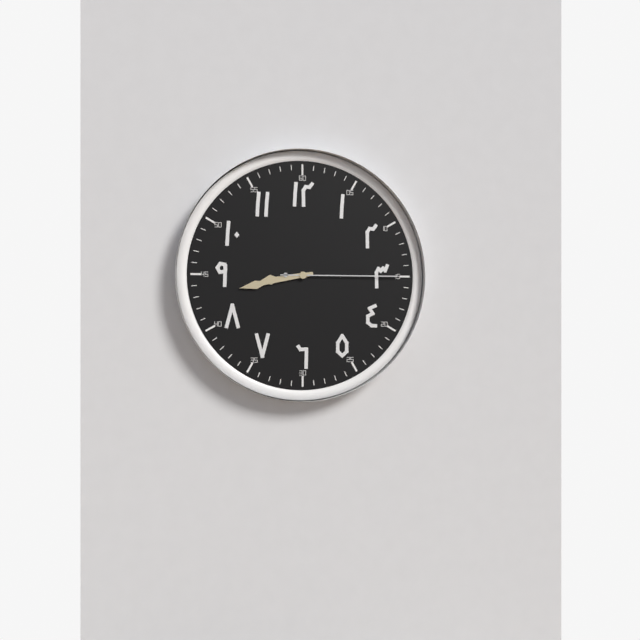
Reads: h=8 m=43 s=15
